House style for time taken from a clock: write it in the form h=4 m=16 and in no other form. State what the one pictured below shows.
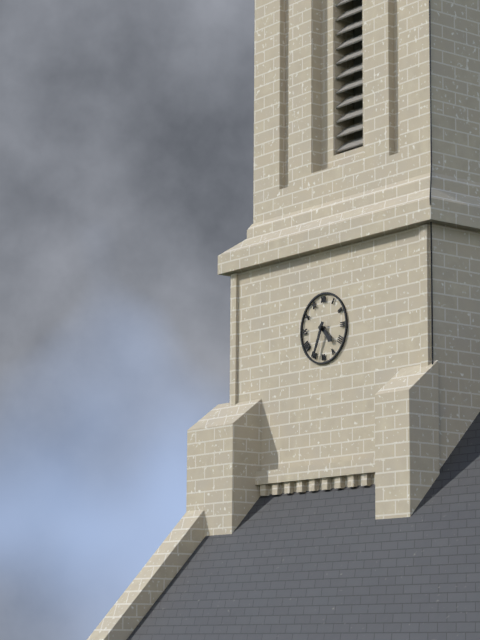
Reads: h=4 m=34
